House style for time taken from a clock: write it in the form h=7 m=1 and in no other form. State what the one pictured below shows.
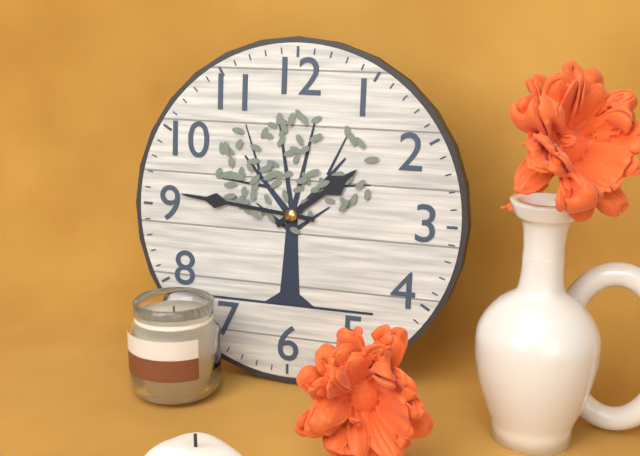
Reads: h=1 m=46
